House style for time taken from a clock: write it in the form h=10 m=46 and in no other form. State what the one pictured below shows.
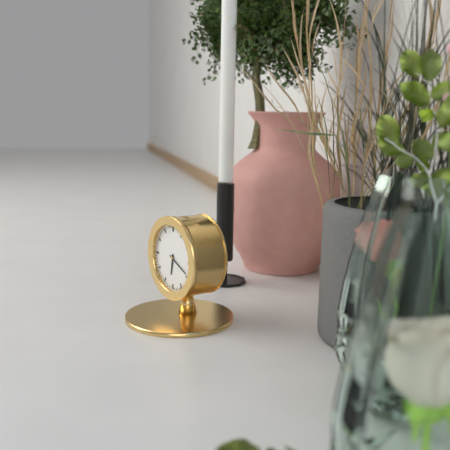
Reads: h=6 m=19
